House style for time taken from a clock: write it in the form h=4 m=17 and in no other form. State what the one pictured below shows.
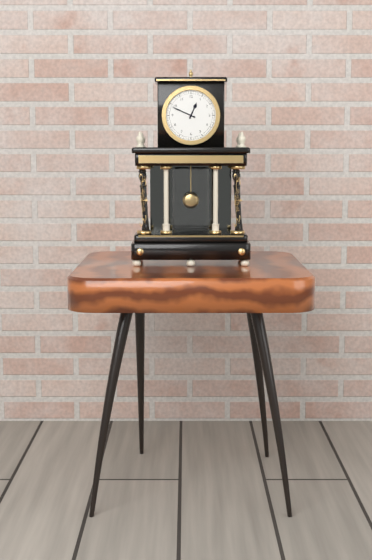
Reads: h=12 m=49
